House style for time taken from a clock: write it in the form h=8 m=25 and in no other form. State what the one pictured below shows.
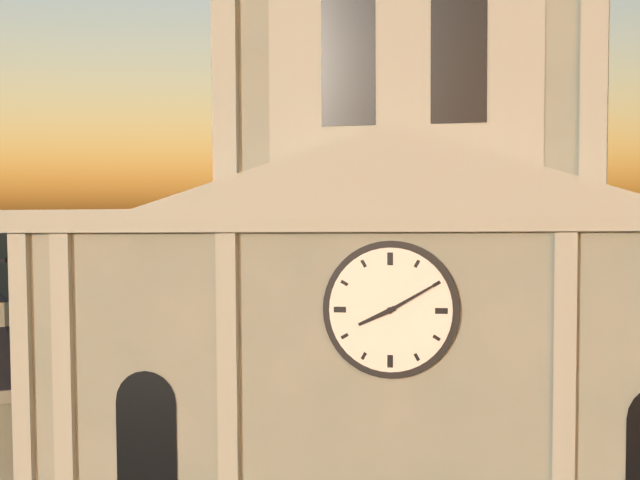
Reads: h=8 m=10
